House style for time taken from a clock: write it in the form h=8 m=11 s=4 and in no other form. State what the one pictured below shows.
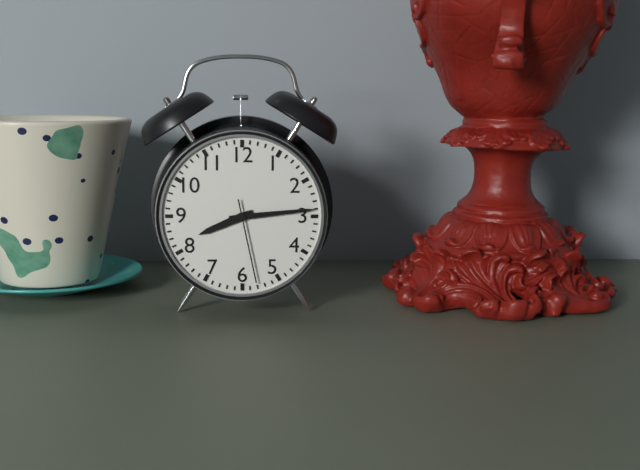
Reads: h=8 m=14 s=28
